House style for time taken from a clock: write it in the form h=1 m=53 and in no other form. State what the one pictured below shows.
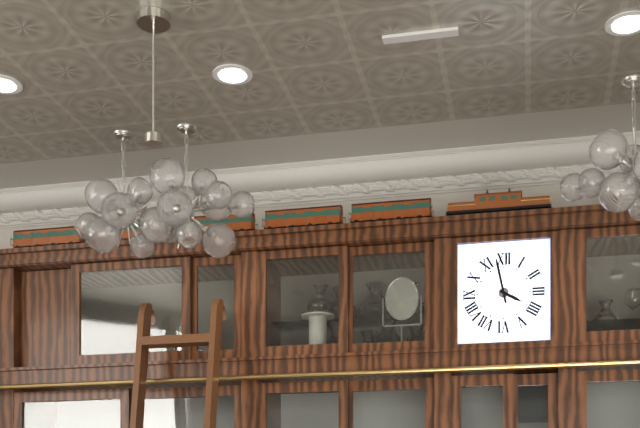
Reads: h=3 m=58
